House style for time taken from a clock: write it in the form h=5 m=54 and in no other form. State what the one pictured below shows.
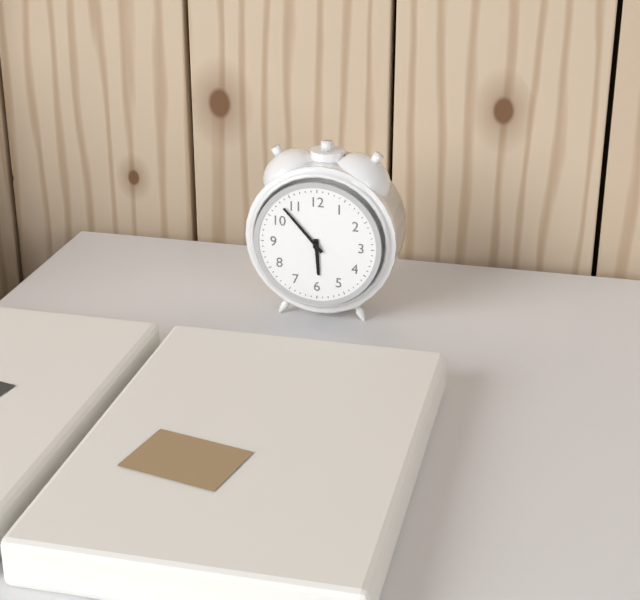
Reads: h=5 m=53
